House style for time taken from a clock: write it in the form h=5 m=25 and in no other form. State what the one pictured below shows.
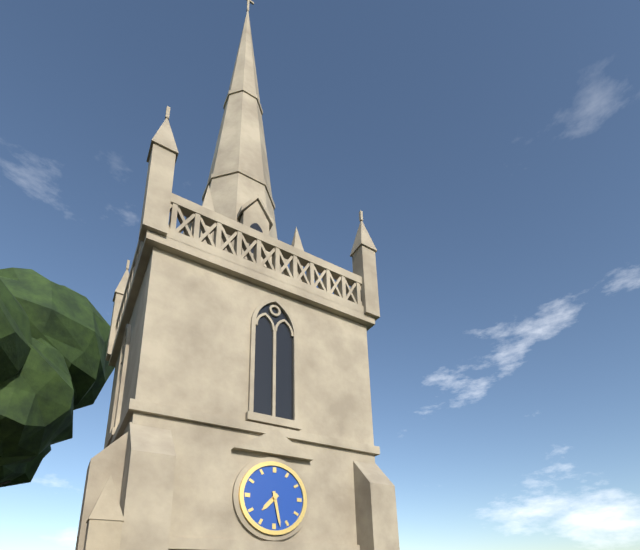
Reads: h=7 m=28
